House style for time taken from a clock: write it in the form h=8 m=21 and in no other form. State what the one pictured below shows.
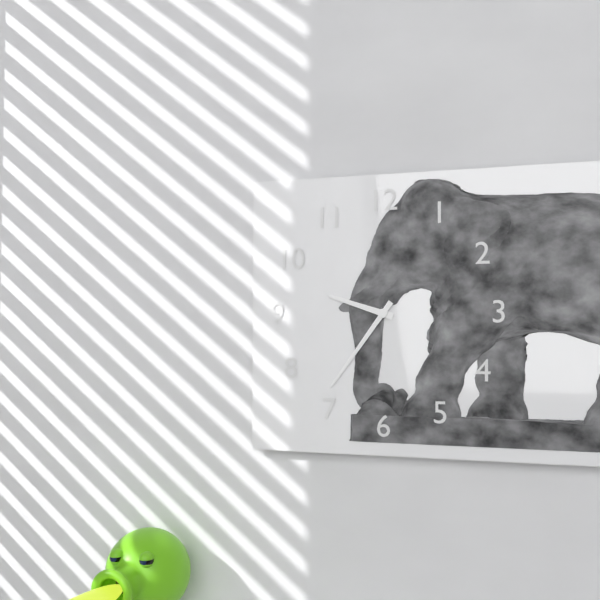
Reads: h=9 m=36
